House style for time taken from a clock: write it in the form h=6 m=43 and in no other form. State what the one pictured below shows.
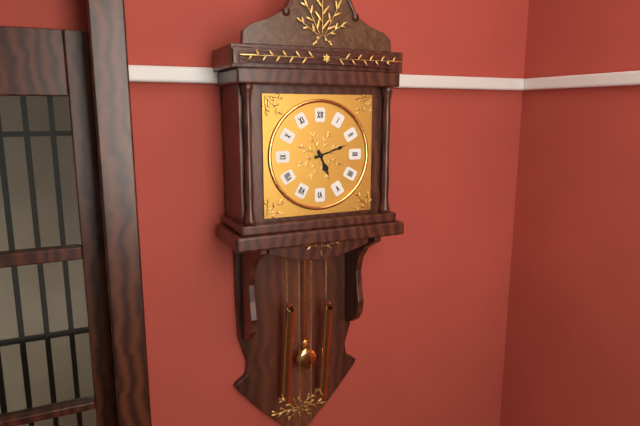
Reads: h=5 m=12
